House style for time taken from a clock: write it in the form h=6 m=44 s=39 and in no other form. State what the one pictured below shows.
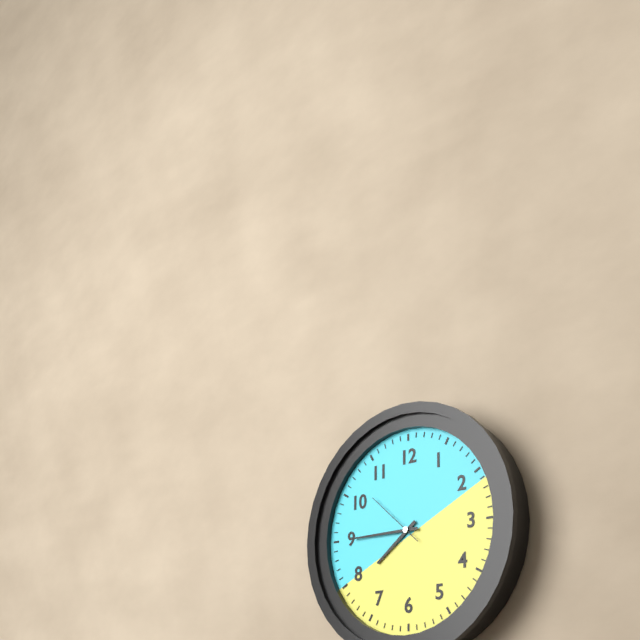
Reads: h=7 m=45 s=52
